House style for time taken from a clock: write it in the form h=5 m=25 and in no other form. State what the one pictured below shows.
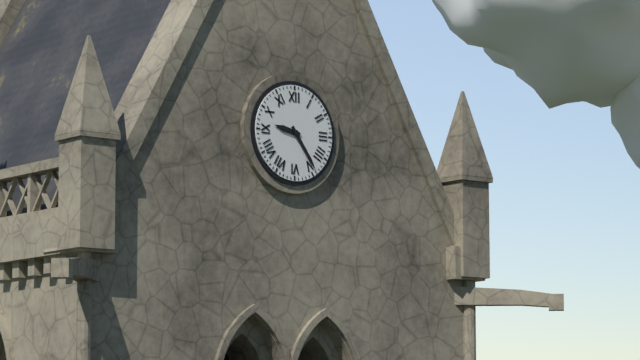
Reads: h=9 m=24
